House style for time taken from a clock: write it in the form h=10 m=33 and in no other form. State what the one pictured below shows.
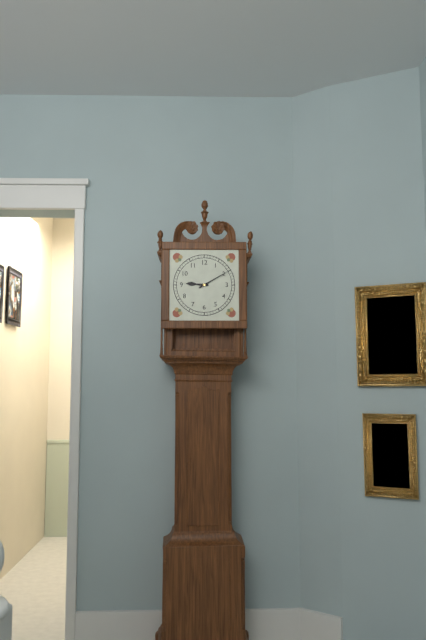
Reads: h=9 m=10
